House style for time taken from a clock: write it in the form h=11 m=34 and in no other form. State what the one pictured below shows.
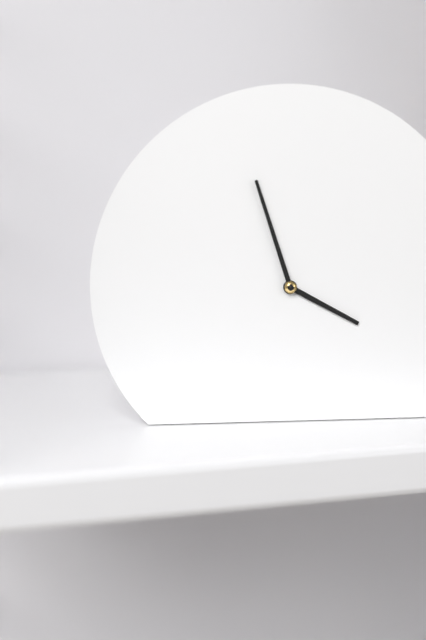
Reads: h=3 m=57
